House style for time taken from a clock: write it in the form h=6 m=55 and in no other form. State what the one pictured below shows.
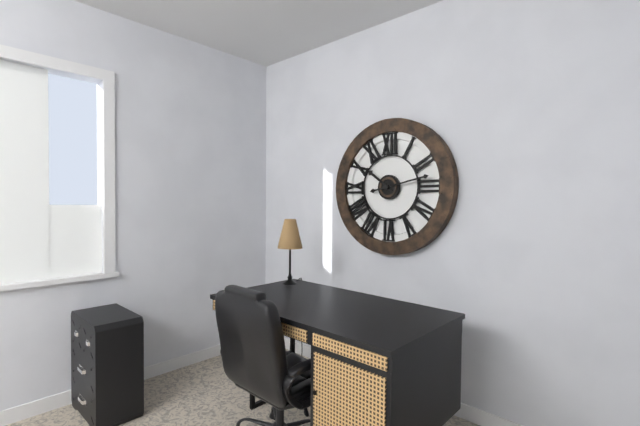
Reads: h=10 m=13
